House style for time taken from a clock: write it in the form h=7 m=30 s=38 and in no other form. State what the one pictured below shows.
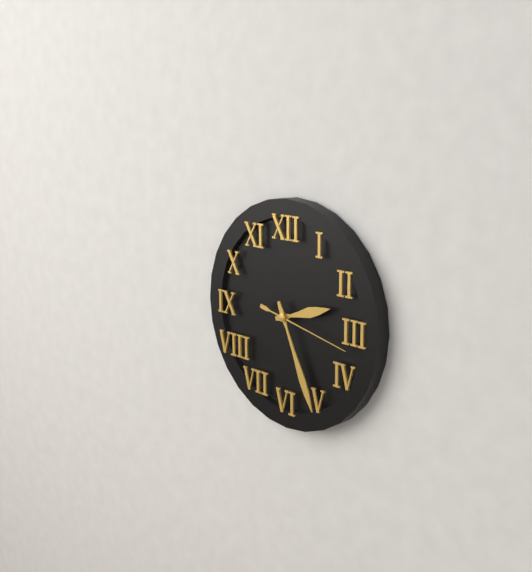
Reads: h=2 m=26 s=17
